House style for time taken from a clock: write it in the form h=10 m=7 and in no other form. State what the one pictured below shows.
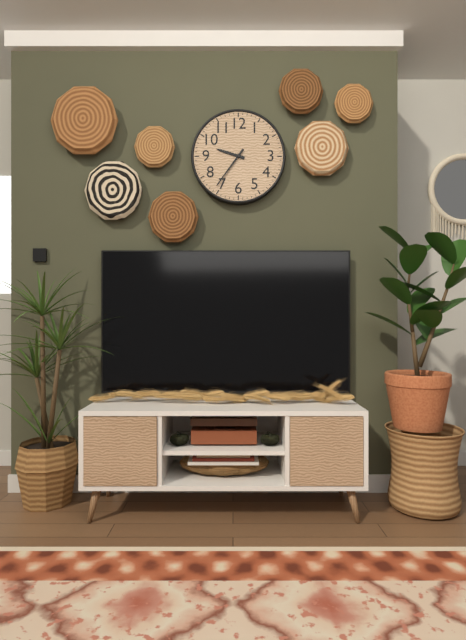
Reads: h=9 m=36
